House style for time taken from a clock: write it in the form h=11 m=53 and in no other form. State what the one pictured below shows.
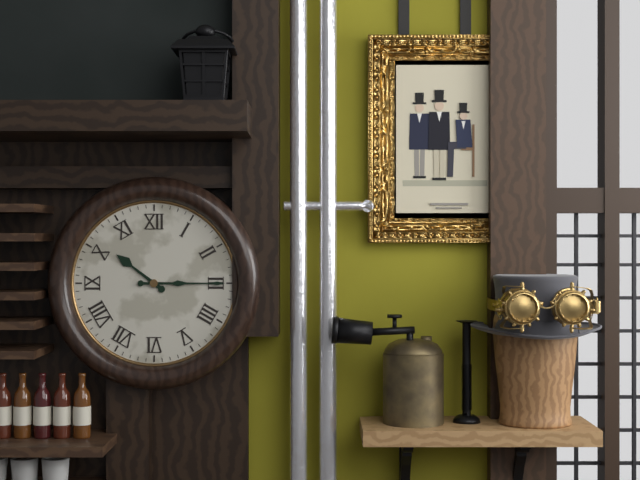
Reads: h=10 m=15
